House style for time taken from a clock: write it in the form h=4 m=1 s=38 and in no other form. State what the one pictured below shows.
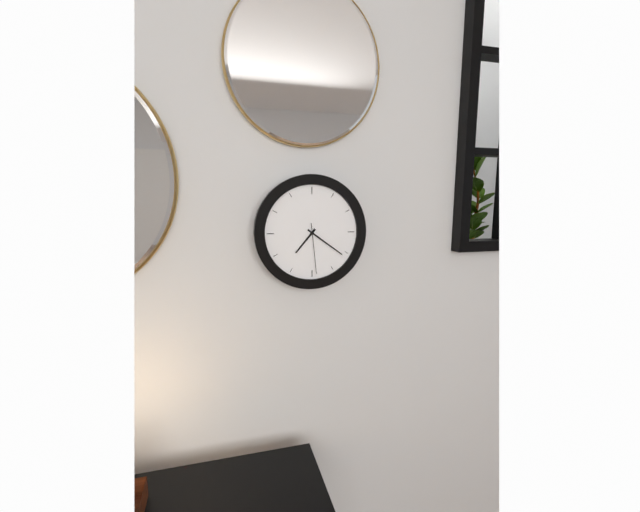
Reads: h=7 m=21 s=29
